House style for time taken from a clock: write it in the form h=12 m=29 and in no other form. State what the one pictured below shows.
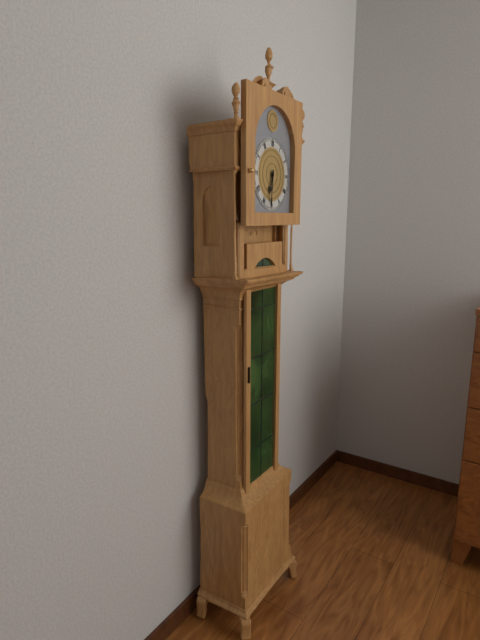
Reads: h=6 m=31
